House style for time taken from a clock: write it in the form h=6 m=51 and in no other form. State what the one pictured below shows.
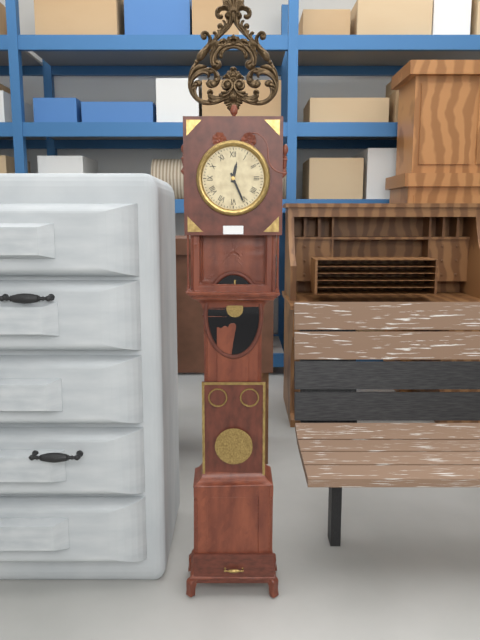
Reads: h=12 m=26
